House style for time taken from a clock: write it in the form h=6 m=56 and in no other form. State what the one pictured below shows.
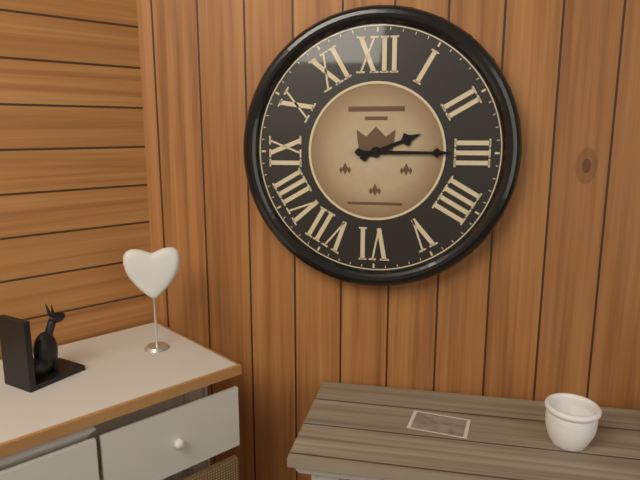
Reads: h=2 m=15
